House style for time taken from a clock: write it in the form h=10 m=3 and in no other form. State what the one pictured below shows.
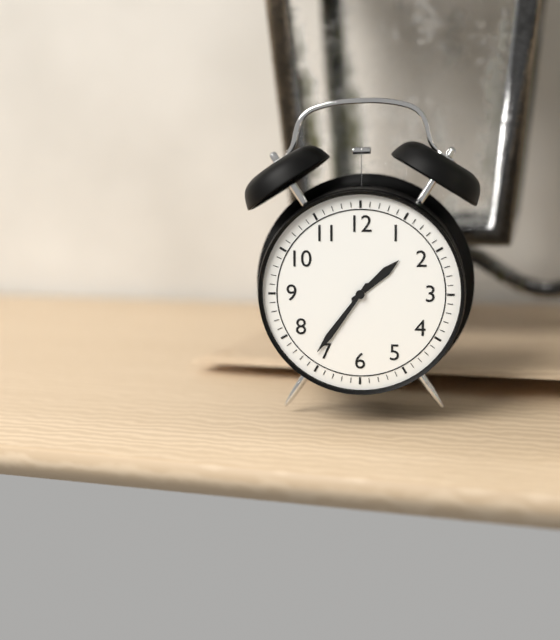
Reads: h=1 m=36
